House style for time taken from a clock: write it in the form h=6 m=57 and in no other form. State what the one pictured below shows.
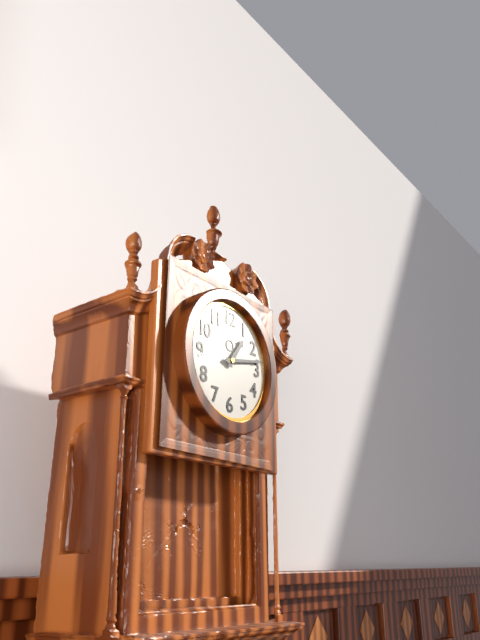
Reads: h=1 m=13
